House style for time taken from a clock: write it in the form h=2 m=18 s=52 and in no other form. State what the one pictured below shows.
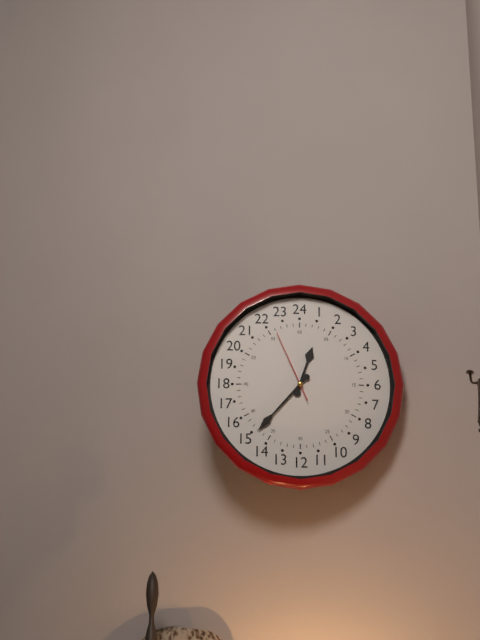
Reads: h=12 m=37 s=56
